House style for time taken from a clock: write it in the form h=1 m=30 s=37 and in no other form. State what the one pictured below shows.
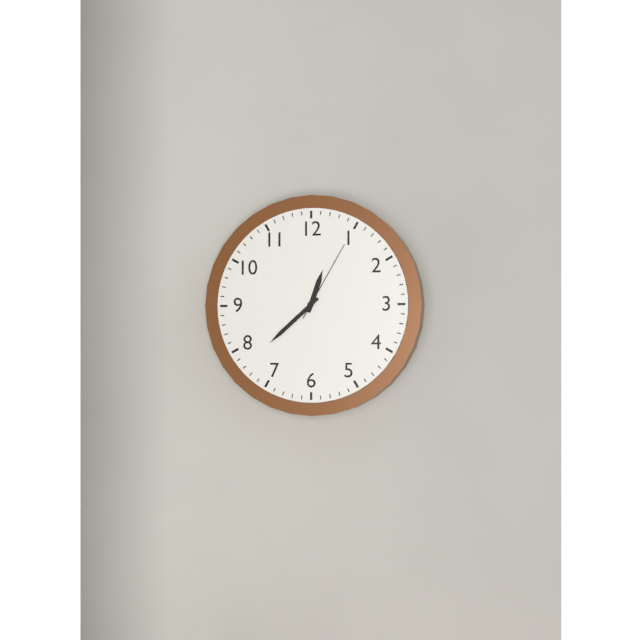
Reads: h=12 m=38 s=5
